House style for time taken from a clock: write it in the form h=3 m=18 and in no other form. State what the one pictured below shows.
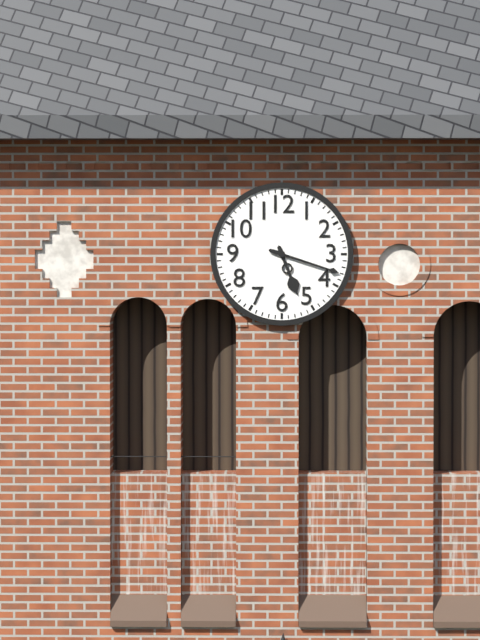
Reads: h=5 m=18
